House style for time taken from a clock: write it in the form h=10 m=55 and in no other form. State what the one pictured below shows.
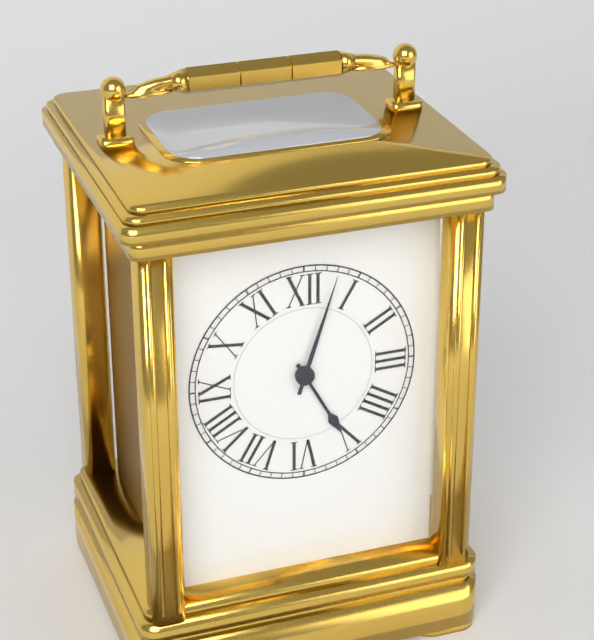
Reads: h=5 m=3
